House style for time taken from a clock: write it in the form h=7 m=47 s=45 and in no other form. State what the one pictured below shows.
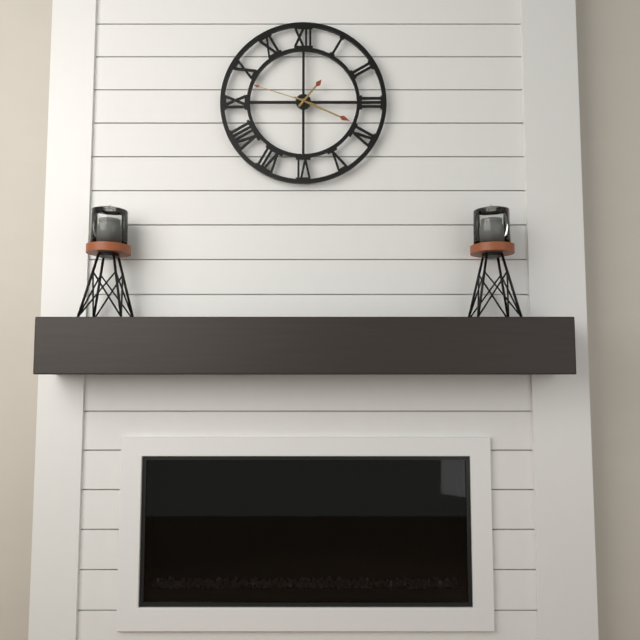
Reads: h=1 m=19 s=48
